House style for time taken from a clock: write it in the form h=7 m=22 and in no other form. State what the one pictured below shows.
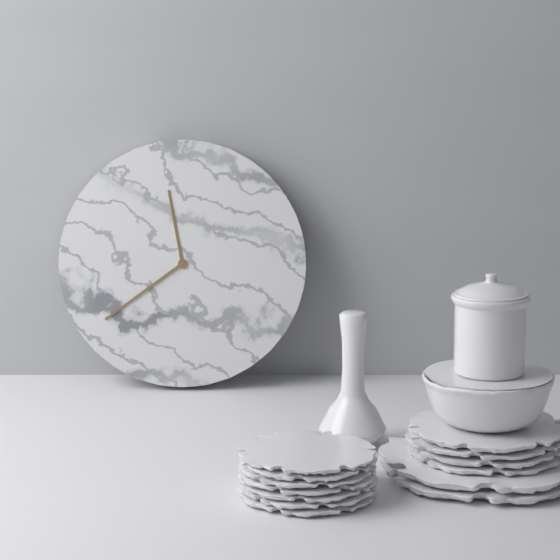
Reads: h=11 m=39
